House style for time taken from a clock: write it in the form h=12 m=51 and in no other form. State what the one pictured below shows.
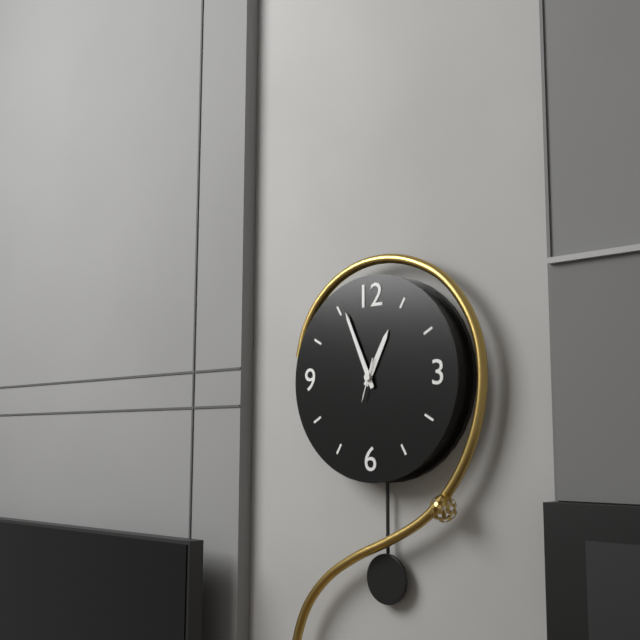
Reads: h=12 m=56
